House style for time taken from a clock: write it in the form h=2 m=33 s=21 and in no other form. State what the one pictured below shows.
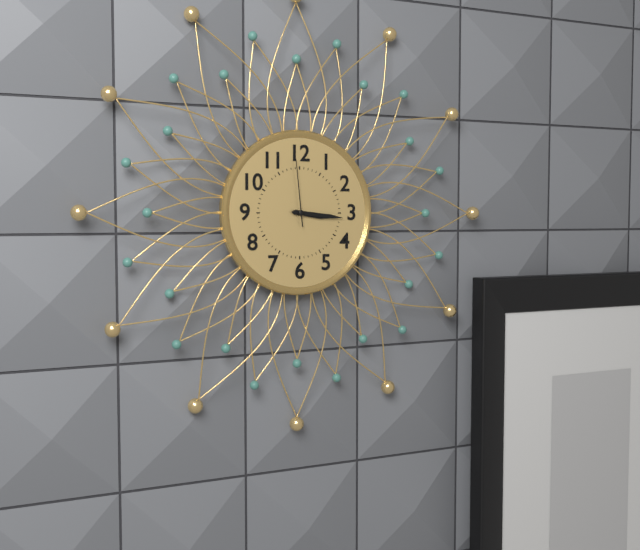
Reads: h=3 m=16 s=59
